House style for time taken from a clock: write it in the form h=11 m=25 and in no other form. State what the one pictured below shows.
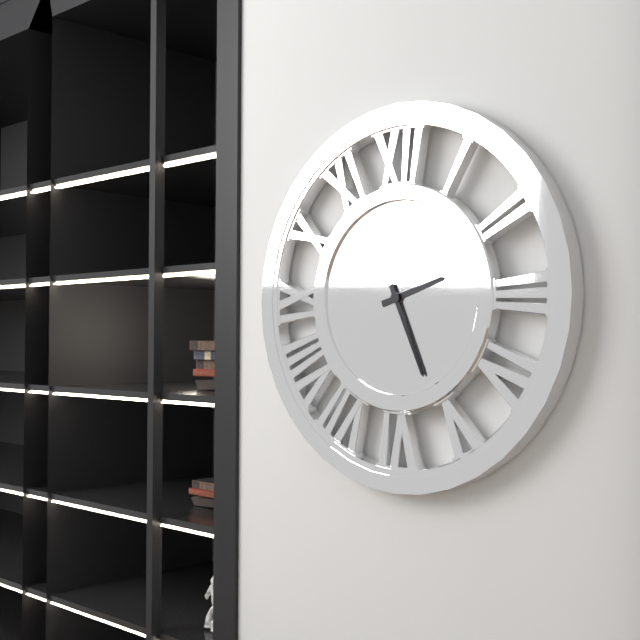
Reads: h=2 m=26
